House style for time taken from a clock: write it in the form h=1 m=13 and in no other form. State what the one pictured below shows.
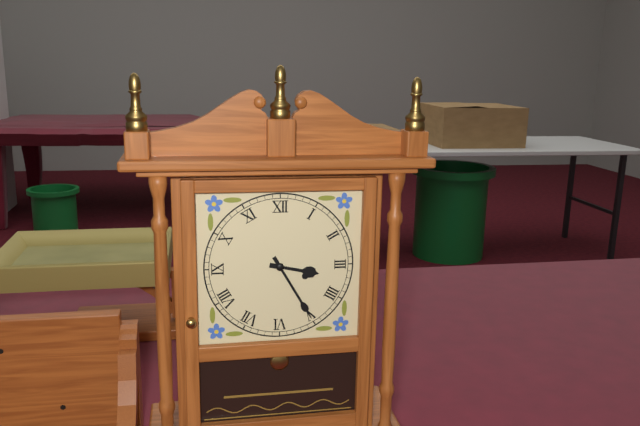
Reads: h=3 m=25
